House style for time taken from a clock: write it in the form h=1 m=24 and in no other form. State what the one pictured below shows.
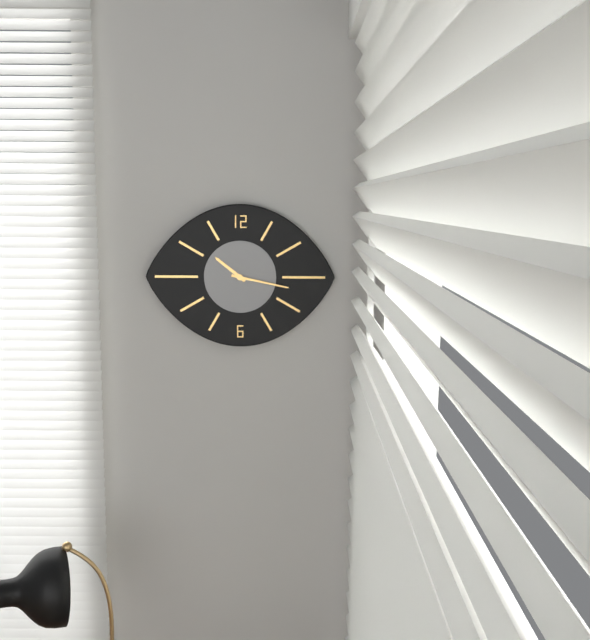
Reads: h=10 m=17
